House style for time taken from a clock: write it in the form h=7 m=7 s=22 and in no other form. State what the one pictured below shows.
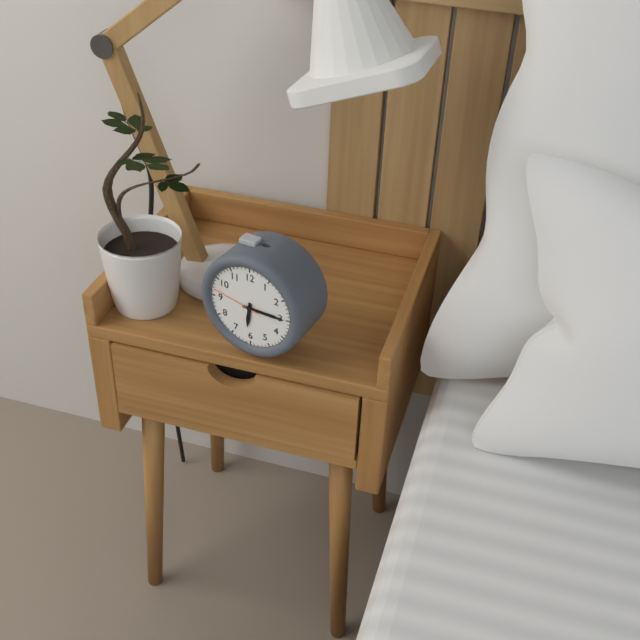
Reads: h=6 m=15 s=47
